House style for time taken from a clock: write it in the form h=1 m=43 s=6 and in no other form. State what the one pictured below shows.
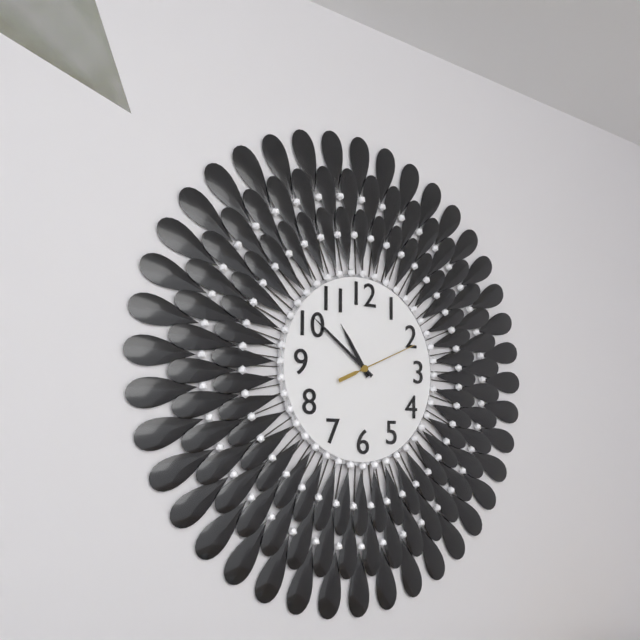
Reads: h=10 m=51 s=11
